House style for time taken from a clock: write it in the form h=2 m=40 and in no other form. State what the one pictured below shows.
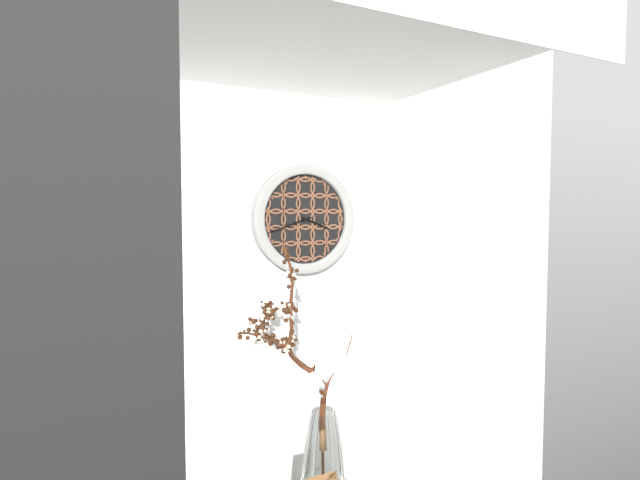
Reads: h=3 m=42
